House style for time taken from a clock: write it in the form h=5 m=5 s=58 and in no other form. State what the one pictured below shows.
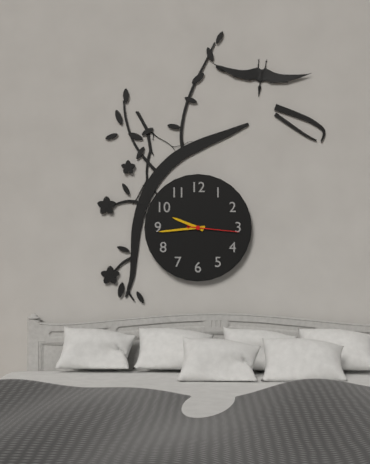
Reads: h=9 m=44 s=16
